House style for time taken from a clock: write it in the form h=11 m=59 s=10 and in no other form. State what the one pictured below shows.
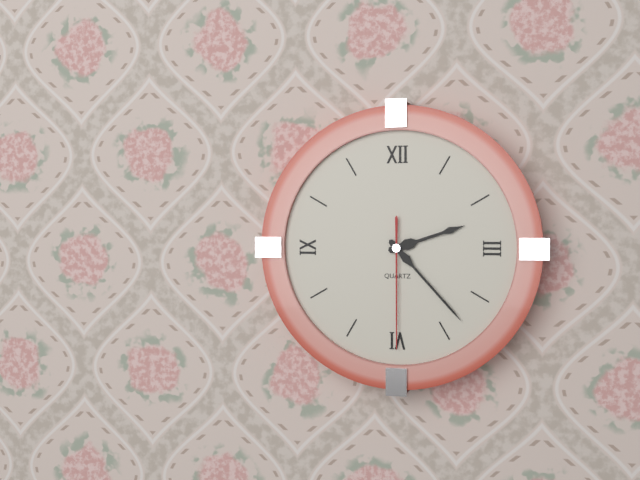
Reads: h=2 m=23 s=30
